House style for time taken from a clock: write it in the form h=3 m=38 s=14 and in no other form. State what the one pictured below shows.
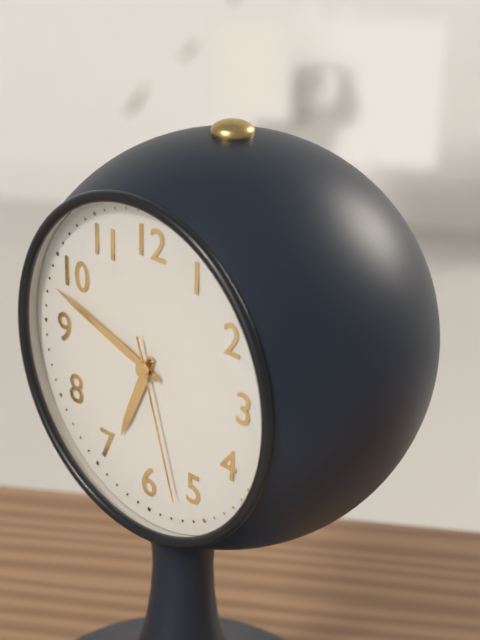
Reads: h=6 m=48 s=27
